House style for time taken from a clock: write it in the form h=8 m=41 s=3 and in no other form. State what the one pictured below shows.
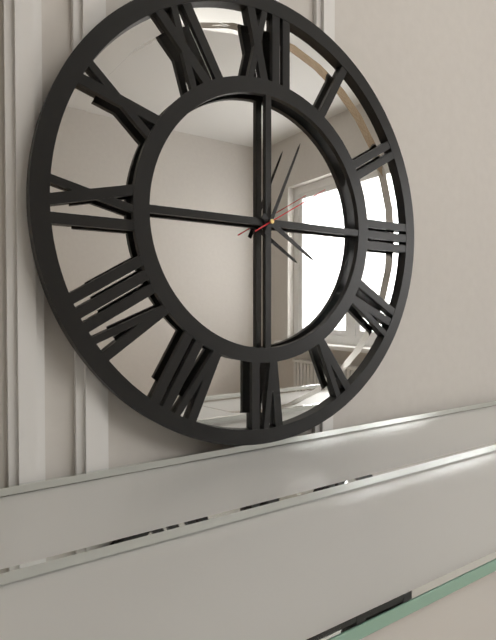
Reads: h=4 m=4 s=10
